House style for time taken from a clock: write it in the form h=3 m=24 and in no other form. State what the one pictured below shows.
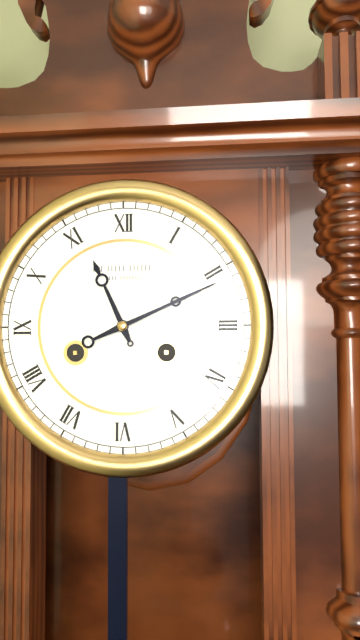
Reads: h=11 m=11
